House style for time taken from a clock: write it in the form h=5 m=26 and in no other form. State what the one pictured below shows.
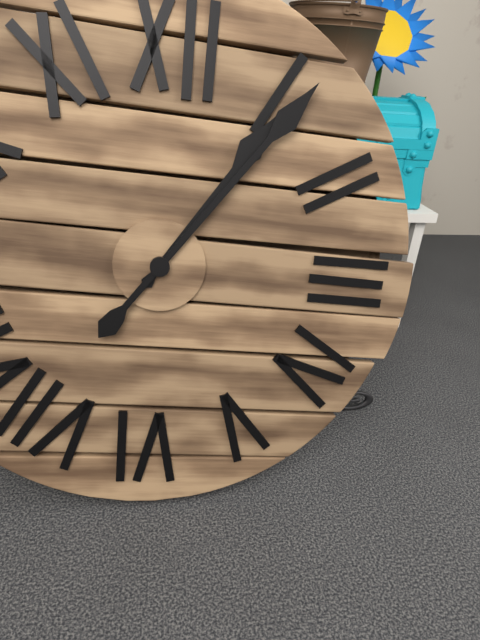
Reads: h=1 m=6
